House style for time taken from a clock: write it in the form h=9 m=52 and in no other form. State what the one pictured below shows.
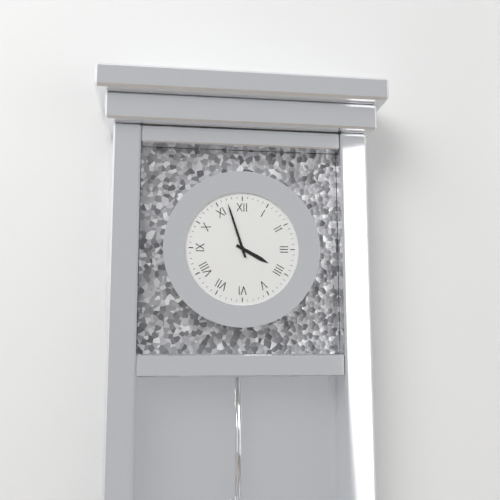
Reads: h=3 m=57
